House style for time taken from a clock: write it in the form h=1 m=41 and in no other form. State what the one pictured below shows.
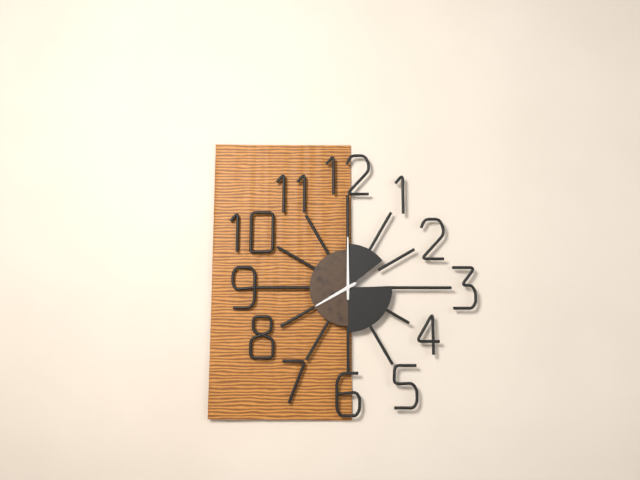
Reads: h=8 m=0
